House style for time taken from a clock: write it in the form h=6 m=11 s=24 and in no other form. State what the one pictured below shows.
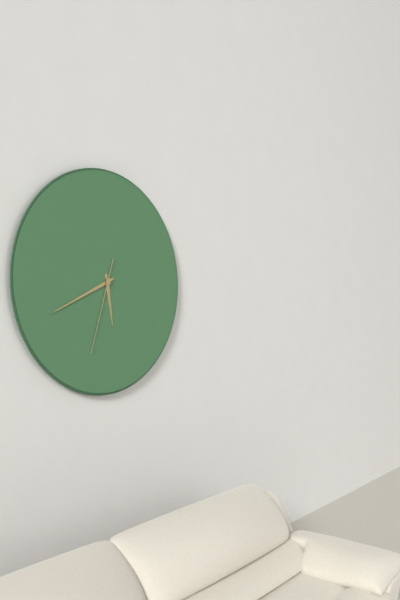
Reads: h=5 m=41 s=33
